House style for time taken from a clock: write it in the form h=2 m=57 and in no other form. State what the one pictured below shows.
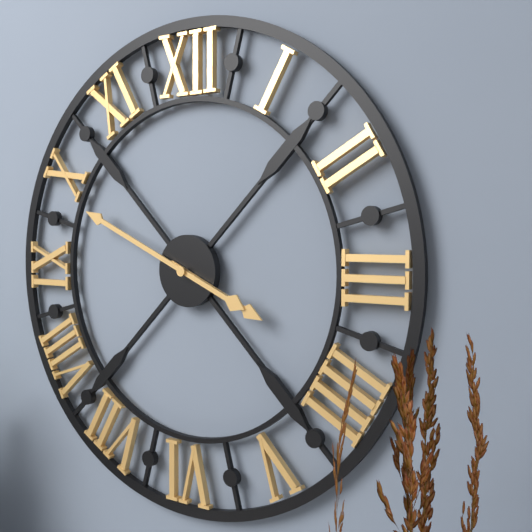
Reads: h=3 m=49
